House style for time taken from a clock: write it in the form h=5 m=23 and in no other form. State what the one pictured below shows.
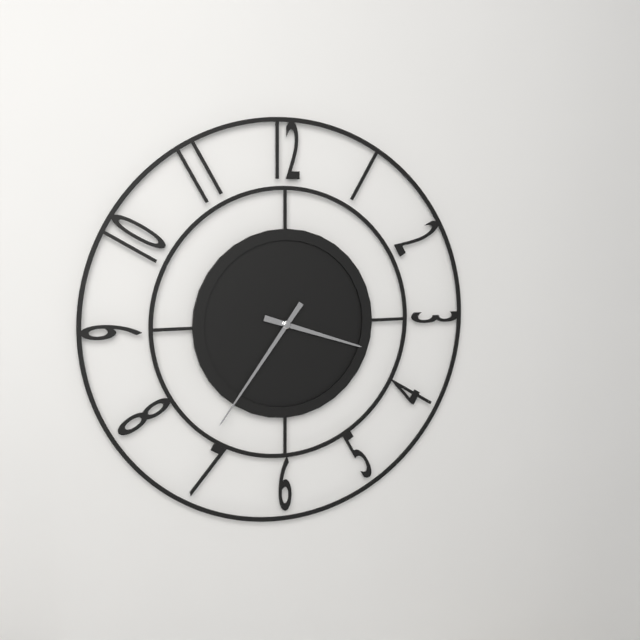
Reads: h=3 m=36
